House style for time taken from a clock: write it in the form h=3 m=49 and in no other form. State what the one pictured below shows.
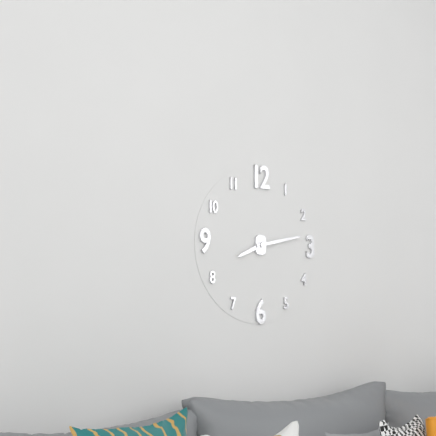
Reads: h=8 m=13
